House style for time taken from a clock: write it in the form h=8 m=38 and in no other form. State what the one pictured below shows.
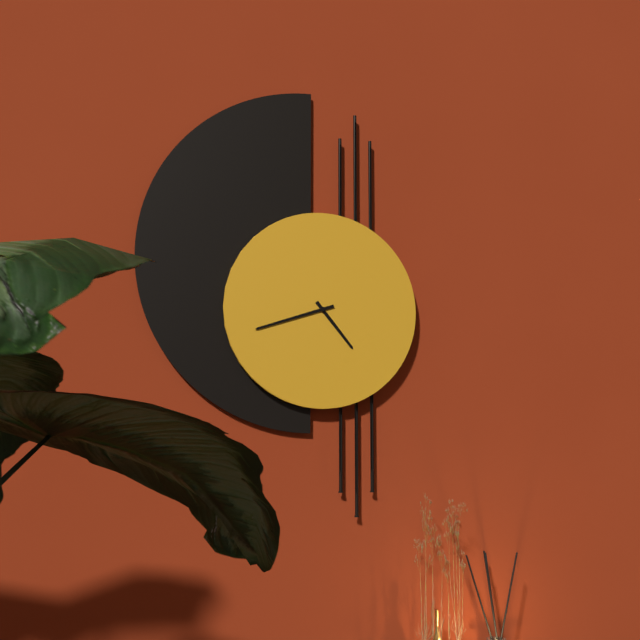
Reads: h=4 m=42
